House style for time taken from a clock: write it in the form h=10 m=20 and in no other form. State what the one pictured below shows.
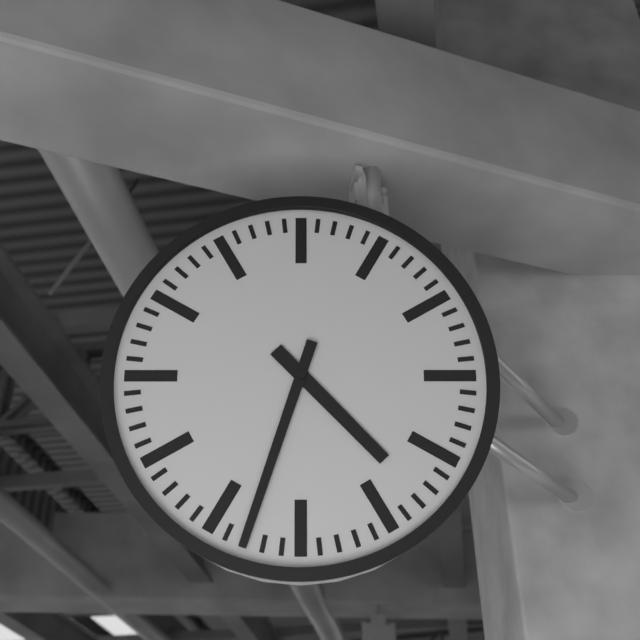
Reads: h=4 m=33
